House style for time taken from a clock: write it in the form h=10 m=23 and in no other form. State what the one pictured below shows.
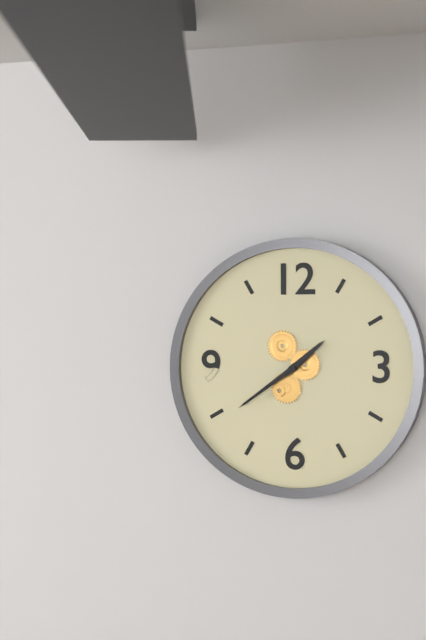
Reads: h=1 m=39
